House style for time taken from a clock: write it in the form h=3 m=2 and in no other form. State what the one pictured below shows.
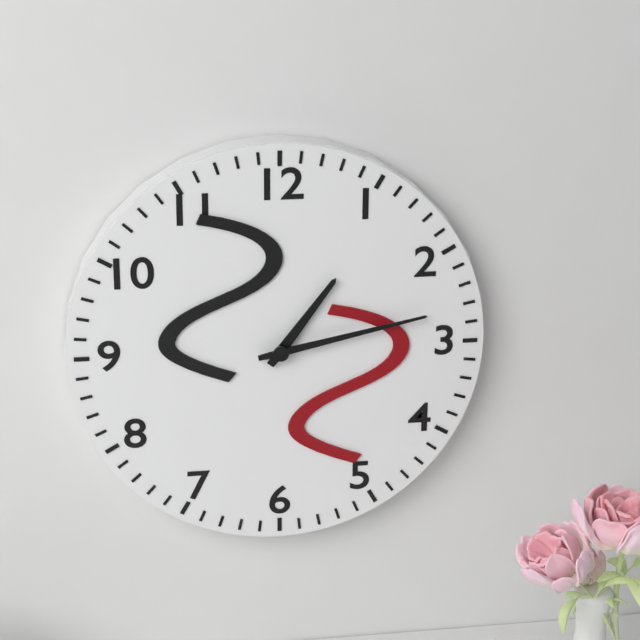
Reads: h=1 m=13
